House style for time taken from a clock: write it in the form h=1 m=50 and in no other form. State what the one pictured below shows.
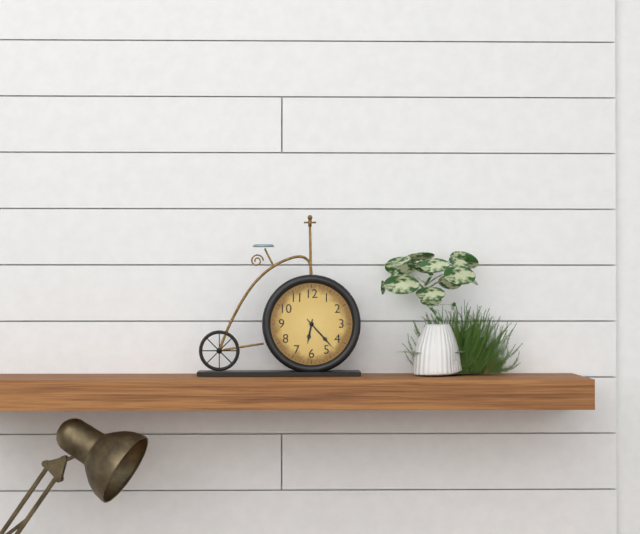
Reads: h=6 m=23
